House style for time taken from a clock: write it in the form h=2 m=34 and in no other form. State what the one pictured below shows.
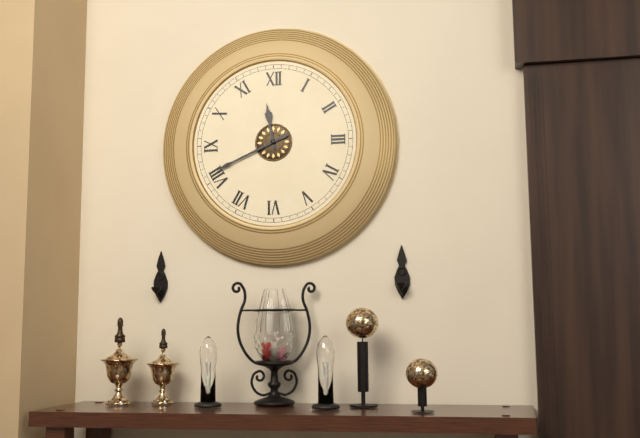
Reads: h=11 m=41
